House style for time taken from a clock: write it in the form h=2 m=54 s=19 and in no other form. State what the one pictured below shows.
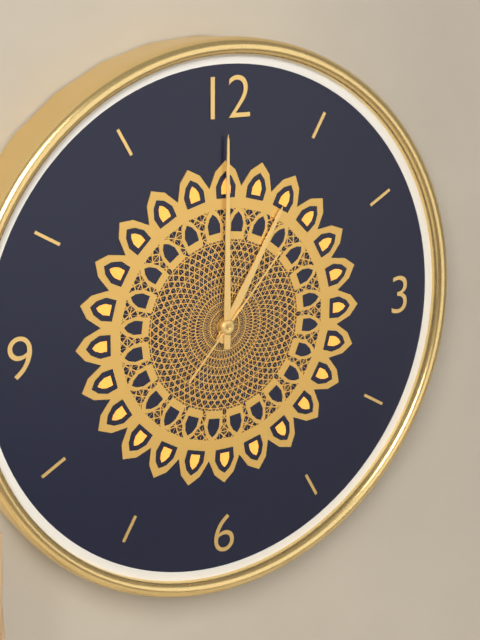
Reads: h=1 m=0 s=7
